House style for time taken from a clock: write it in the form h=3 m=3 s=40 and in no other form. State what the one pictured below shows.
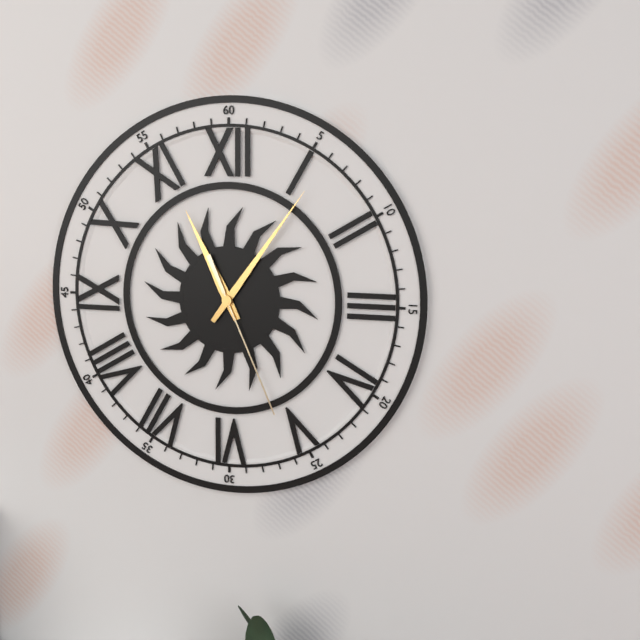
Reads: h=11 m=6 s=26
